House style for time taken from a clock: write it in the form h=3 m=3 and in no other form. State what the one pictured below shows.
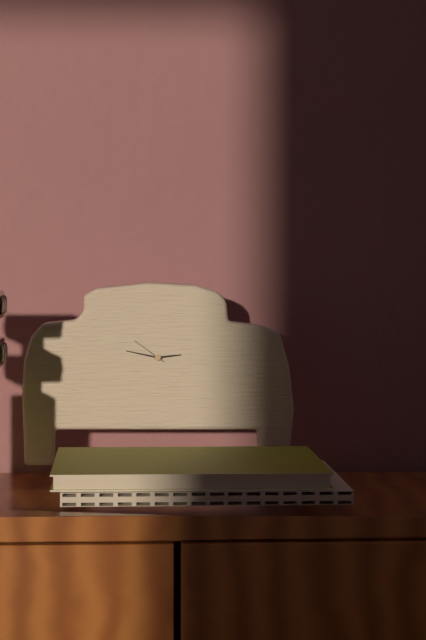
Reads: h=2 m=47
